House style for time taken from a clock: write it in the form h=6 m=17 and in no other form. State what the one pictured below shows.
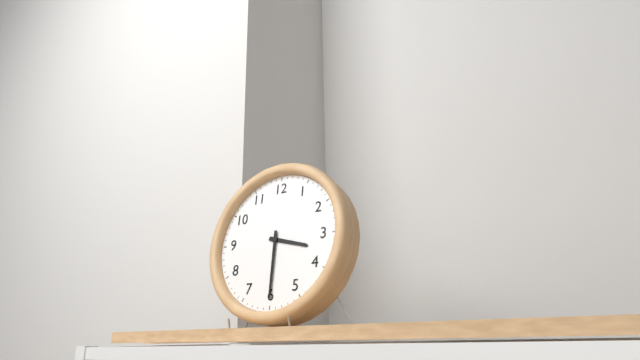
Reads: h=3 m=30
